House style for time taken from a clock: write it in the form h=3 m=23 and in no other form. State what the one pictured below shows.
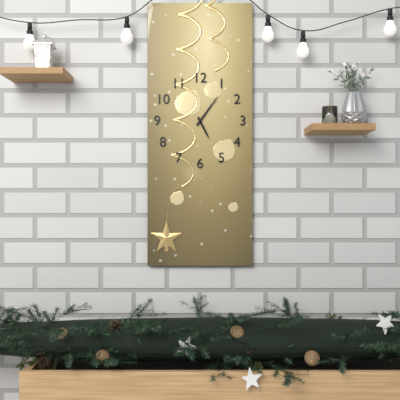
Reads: h=5 m=6
